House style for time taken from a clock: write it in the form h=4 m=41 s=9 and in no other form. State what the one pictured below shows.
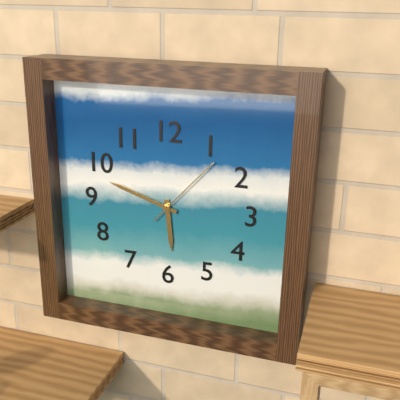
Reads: h=5 m=48 s=7
